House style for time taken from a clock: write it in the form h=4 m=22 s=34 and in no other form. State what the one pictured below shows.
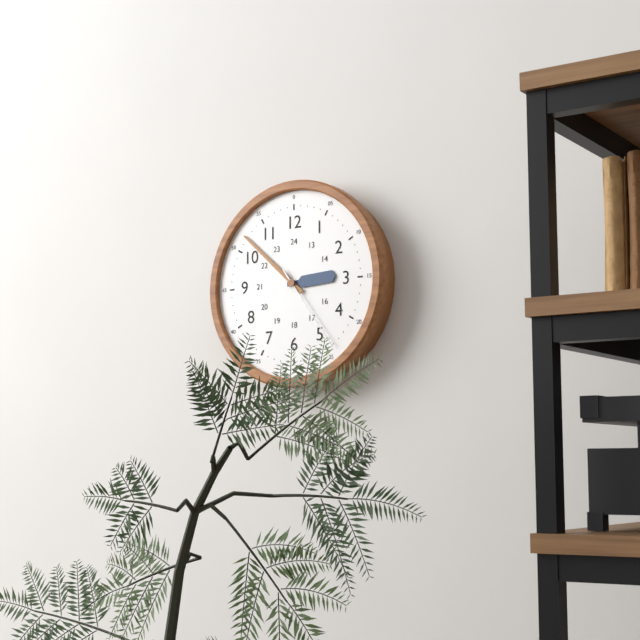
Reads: h=2 m=52 s=24
